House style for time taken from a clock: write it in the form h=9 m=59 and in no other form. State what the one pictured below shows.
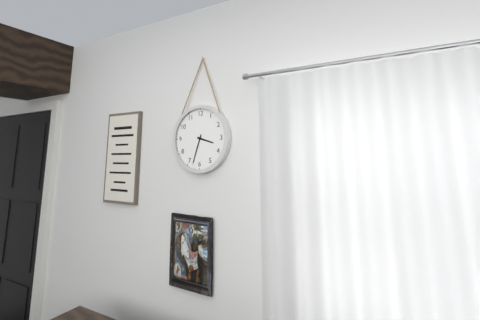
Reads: h=3 m=33
